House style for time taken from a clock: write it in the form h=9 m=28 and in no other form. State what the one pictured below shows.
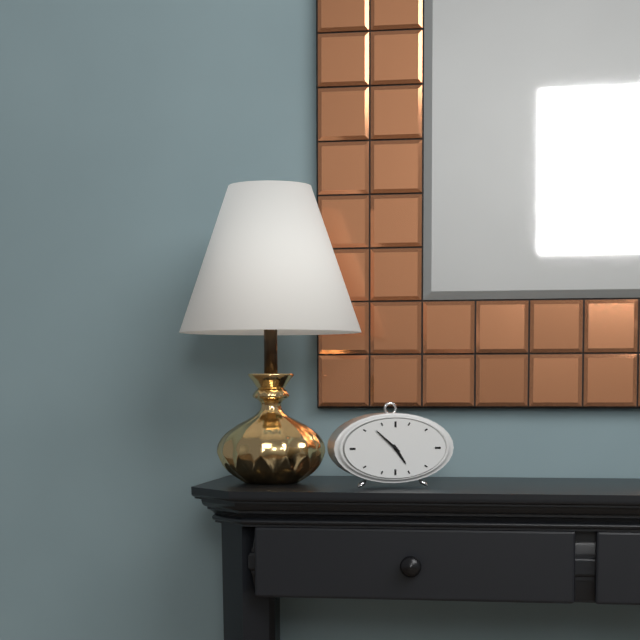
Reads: h=4 m=52
